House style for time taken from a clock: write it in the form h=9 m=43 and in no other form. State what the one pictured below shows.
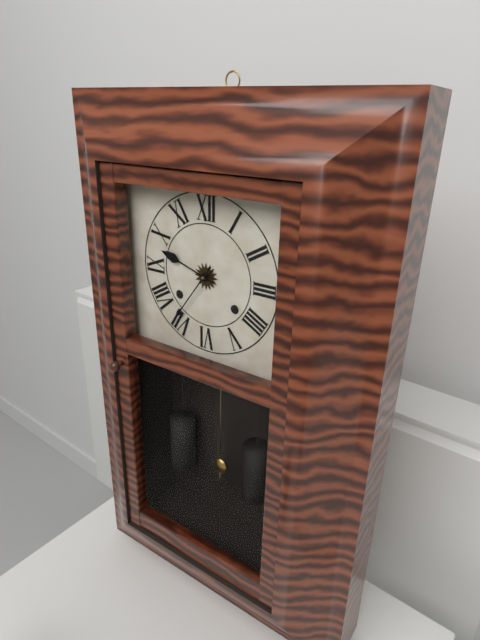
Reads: h=9 m=36
